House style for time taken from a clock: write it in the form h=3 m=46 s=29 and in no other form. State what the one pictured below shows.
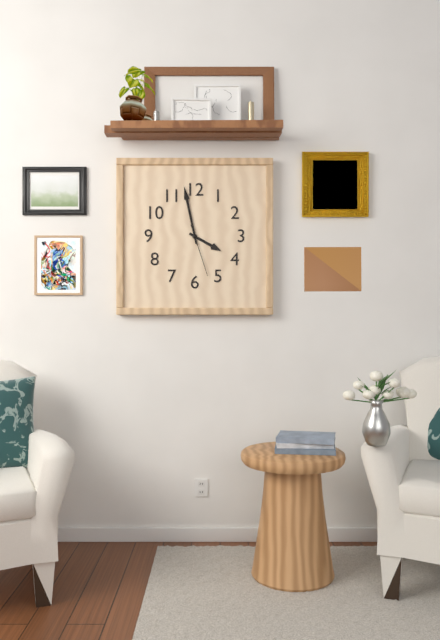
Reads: h=3 m=58 s=27
